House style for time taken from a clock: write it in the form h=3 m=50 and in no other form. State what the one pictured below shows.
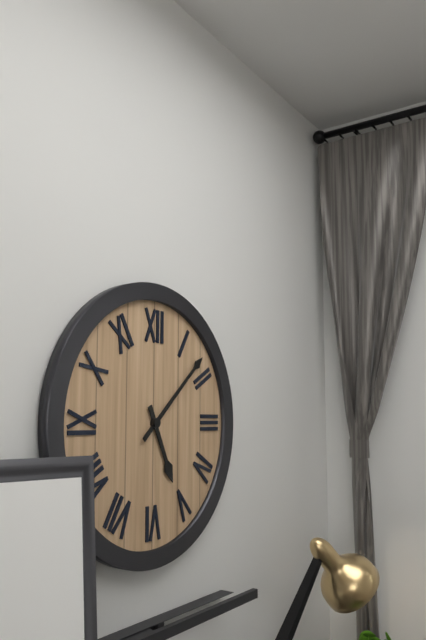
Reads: h=5 m=8
